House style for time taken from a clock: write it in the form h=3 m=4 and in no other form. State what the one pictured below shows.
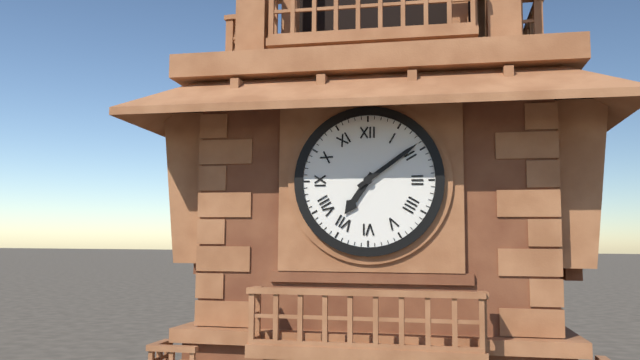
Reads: h=7 m=9
